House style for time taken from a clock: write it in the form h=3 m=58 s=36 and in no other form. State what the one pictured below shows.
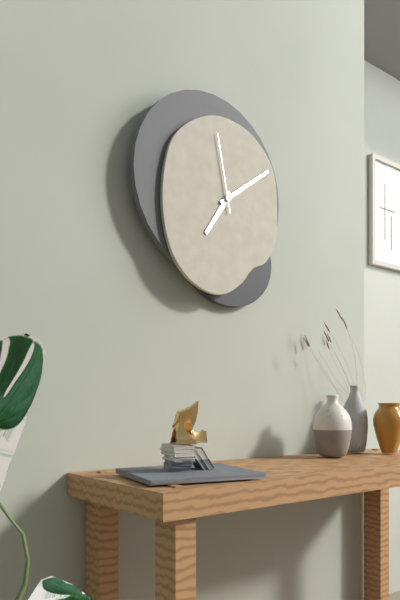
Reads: h=7 m=9 s=58
